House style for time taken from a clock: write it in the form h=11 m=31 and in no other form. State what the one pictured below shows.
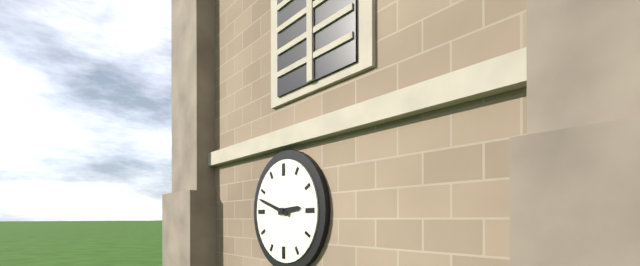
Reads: h=2 m=48
